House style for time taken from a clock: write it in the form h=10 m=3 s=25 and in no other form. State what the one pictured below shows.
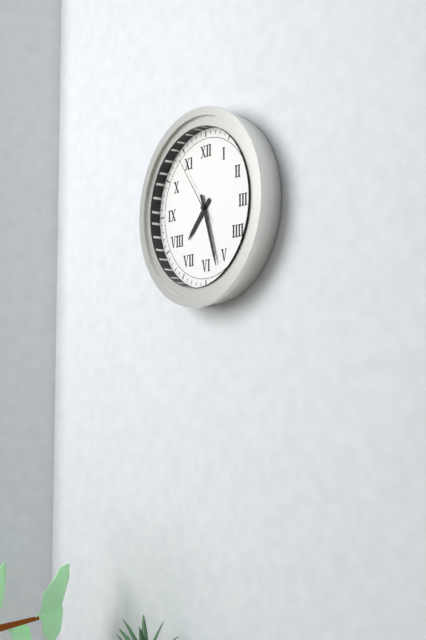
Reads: h=7 m=27 s=54
